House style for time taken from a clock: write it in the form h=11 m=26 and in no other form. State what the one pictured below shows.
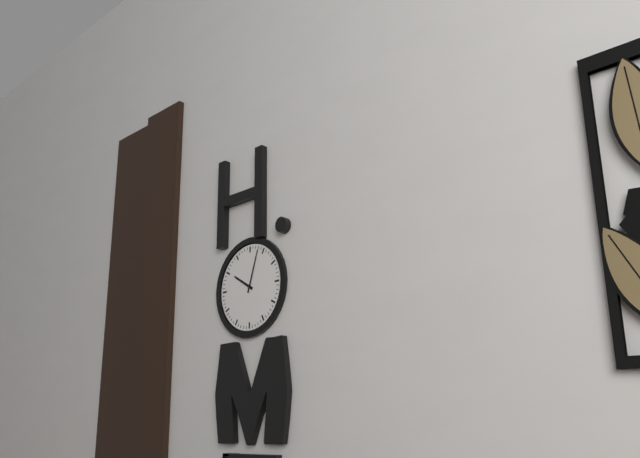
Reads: h=10 m=3
